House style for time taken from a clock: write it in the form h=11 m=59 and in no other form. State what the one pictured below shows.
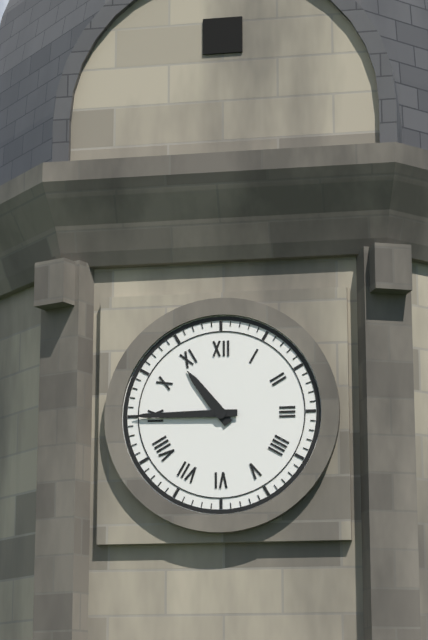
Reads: h=10 m=45
